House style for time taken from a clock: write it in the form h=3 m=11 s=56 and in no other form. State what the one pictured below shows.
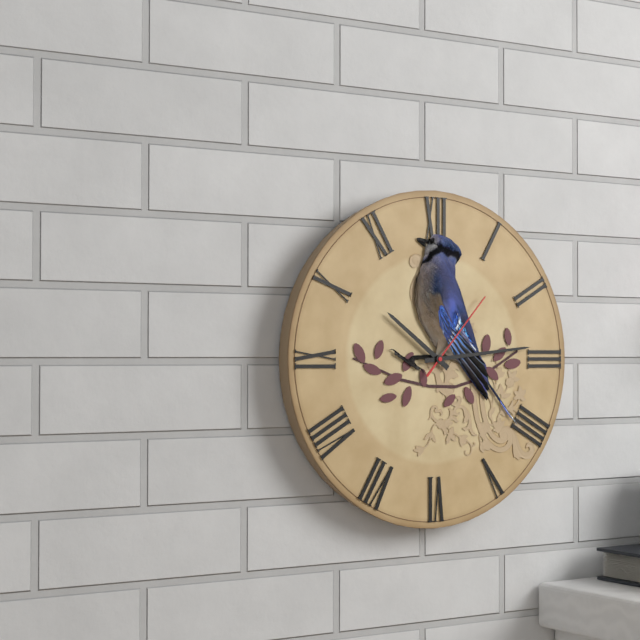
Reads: h=10 m=14 s=7
